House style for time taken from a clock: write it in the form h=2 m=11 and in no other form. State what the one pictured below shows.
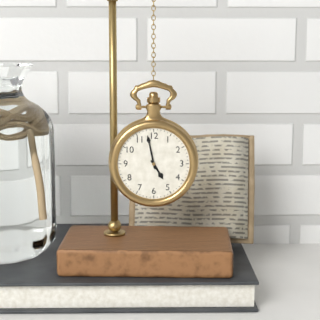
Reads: h=4 m=58
